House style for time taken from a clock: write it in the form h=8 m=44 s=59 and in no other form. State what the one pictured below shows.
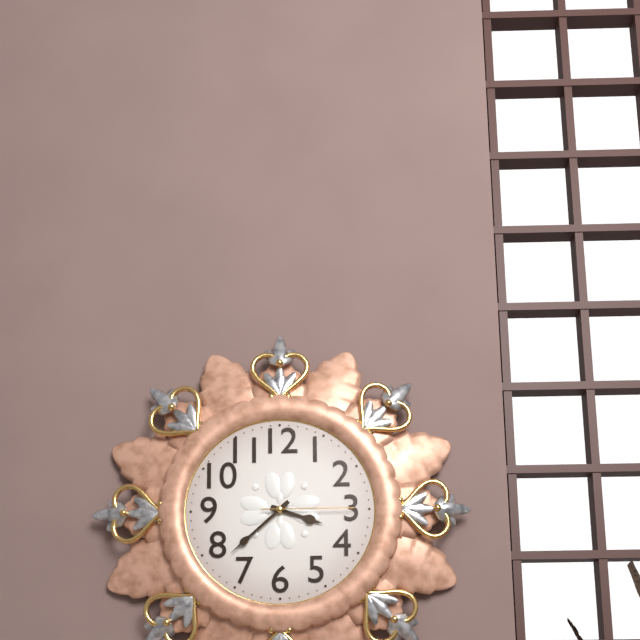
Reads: h=3 m=38 s=15
